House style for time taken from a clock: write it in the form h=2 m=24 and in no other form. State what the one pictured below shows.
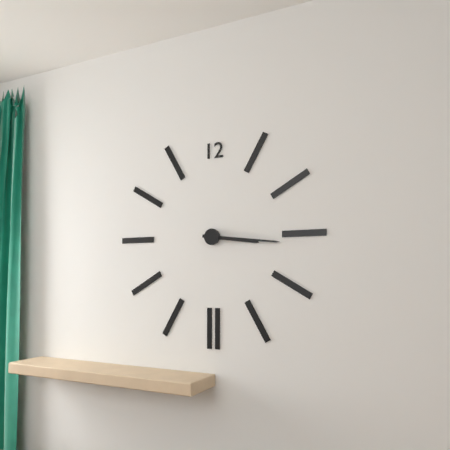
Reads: h=3 m=16
